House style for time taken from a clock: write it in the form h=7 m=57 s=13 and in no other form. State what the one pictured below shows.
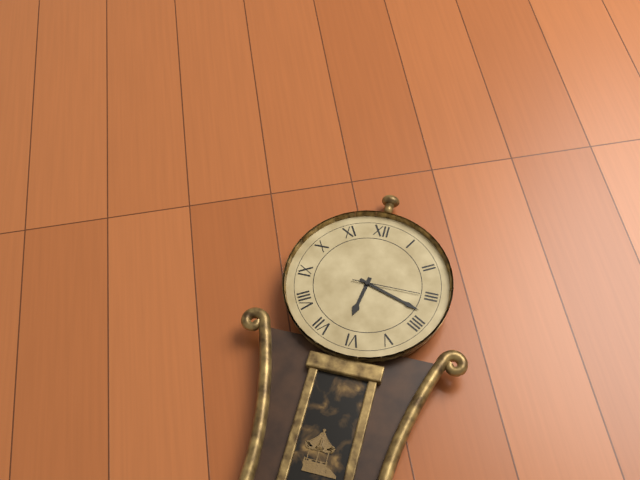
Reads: h=6 m=18 s=15
